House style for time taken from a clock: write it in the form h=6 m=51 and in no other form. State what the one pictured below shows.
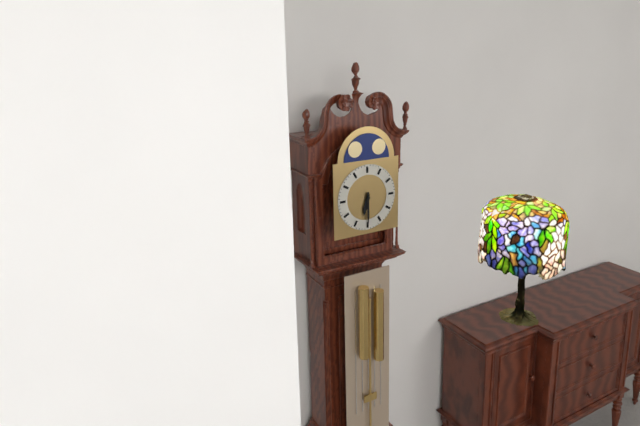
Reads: h=6 m=30
